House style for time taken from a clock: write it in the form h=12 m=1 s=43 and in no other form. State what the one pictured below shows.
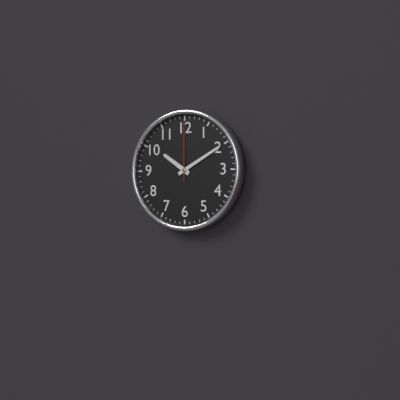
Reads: h=10 m=10 s=0
